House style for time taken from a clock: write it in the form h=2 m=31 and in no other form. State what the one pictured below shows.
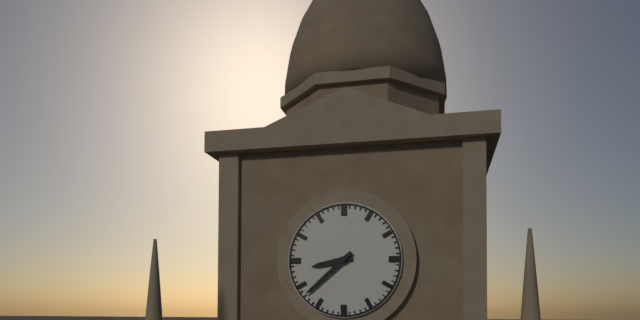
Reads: h=8 m=38
